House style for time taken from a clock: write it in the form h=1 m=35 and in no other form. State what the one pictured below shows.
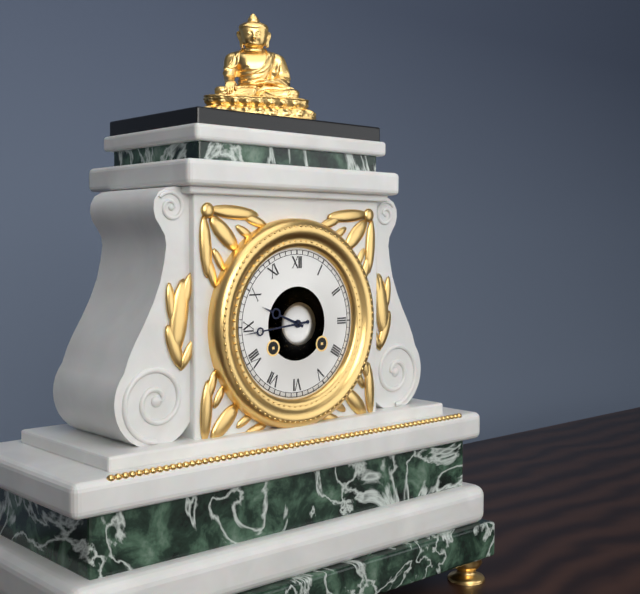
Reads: h=9 m=44
